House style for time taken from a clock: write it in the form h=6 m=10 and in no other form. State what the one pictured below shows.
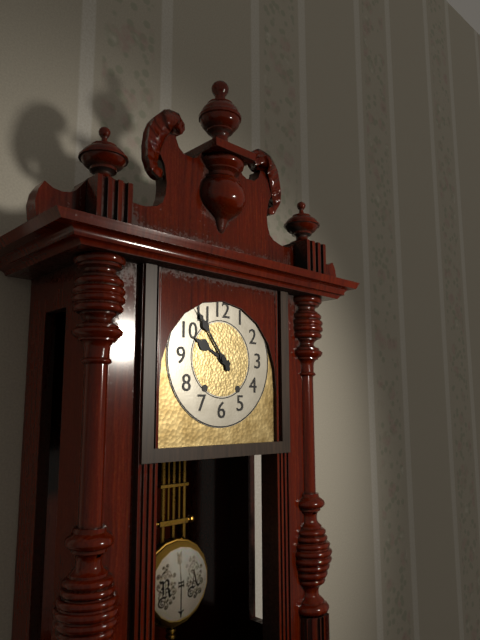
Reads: h=9 m=54
